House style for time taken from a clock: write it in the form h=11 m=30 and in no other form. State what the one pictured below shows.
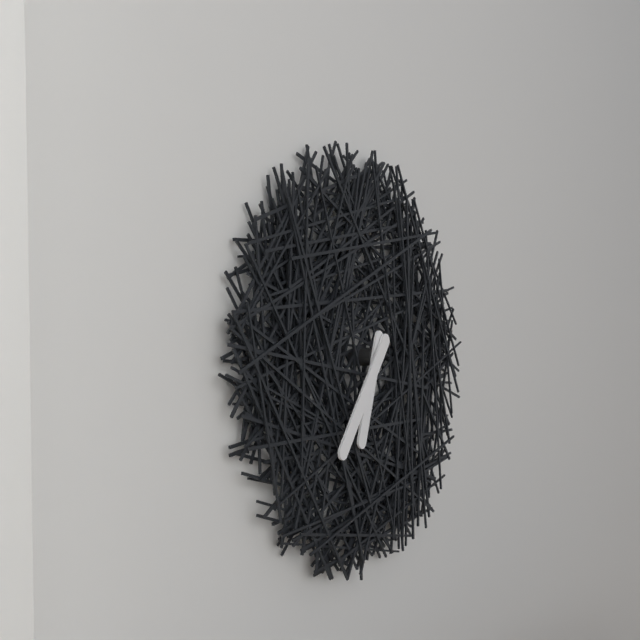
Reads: h=6 m=36
